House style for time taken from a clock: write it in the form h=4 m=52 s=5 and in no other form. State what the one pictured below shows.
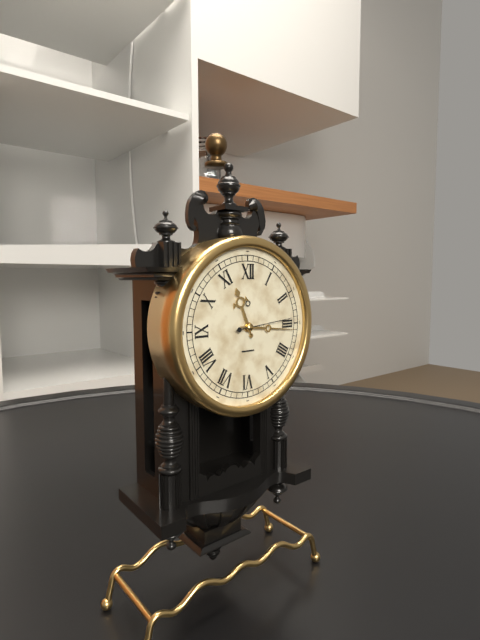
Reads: h=11 m=16 s=14
